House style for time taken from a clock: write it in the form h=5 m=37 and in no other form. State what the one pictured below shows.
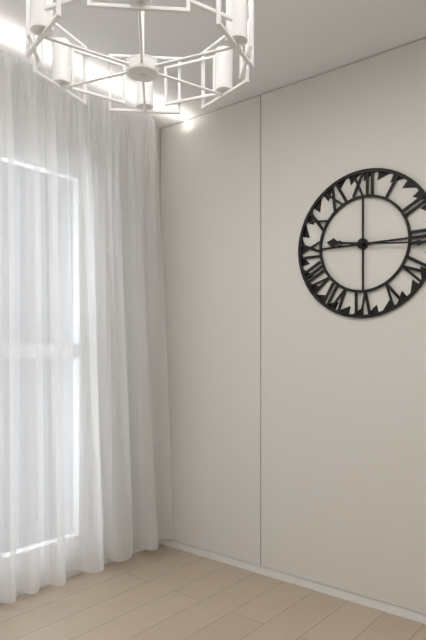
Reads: h=9 m=16
